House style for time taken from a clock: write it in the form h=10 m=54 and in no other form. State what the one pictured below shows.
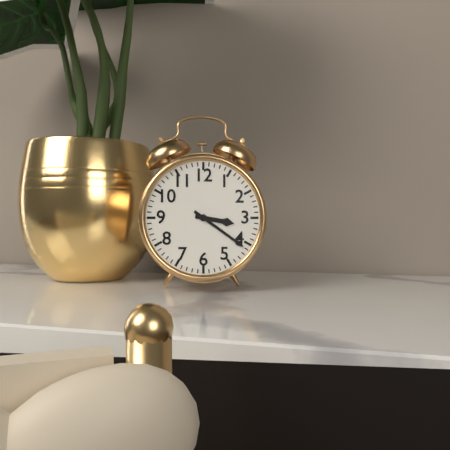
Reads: h=3 m=21
